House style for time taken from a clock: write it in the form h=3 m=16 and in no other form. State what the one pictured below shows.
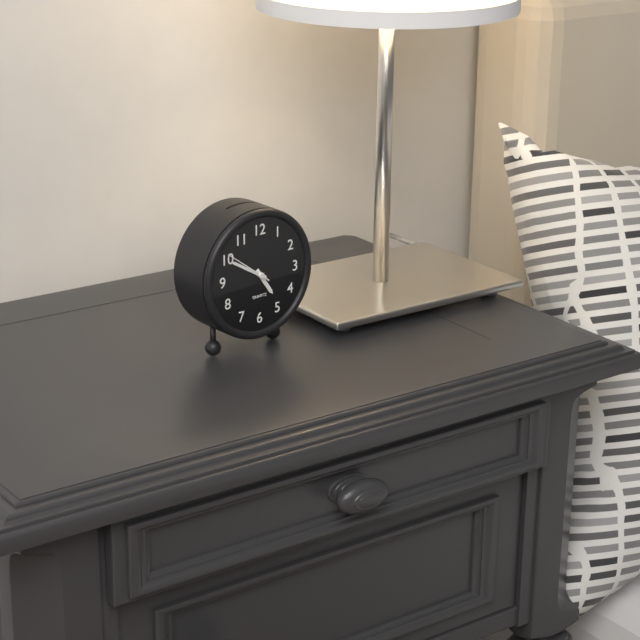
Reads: h=4 m=50
